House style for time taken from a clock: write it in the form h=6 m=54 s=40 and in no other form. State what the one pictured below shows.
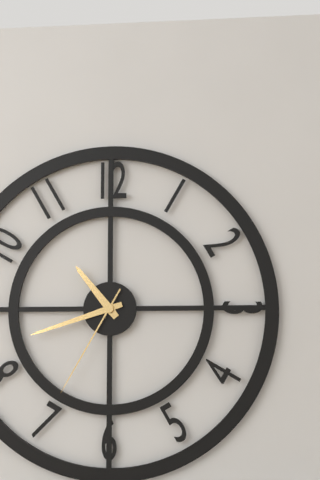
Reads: h=10 m=42 s=35
